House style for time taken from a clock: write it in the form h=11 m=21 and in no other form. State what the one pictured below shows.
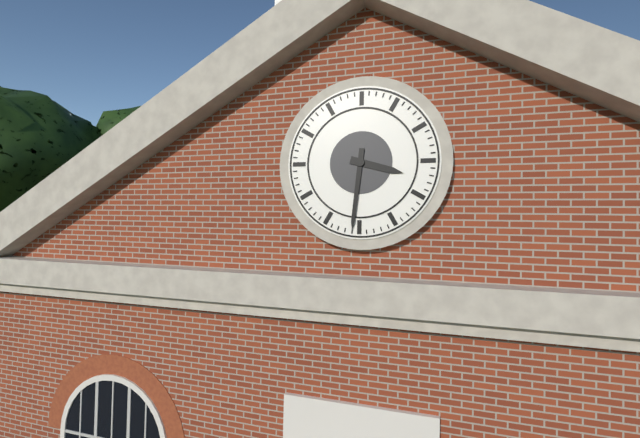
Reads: h=3 m=31
